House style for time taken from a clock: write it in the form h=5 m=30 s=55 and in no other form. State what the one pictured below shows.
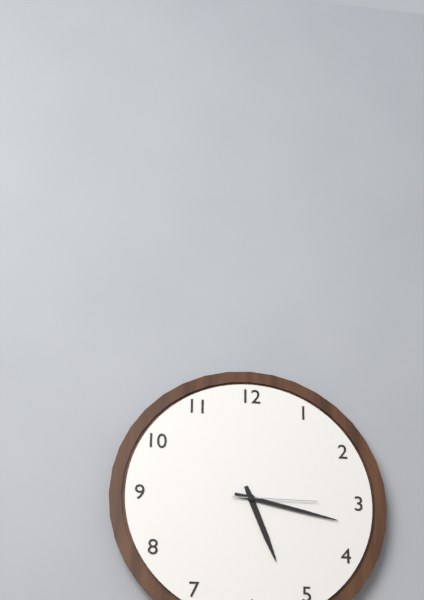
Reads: h=5 m=17 s=15
